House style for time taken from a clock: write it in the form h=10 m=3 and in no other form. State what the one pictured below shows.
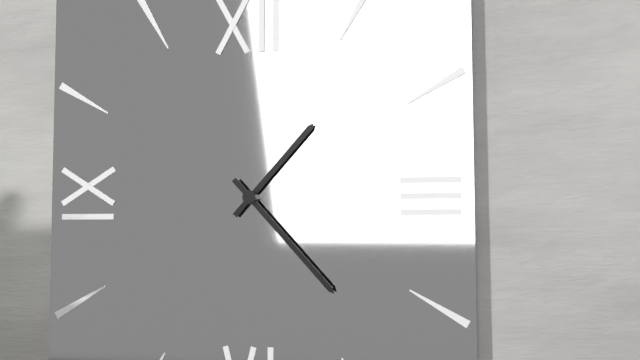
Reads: h=1 m=23
